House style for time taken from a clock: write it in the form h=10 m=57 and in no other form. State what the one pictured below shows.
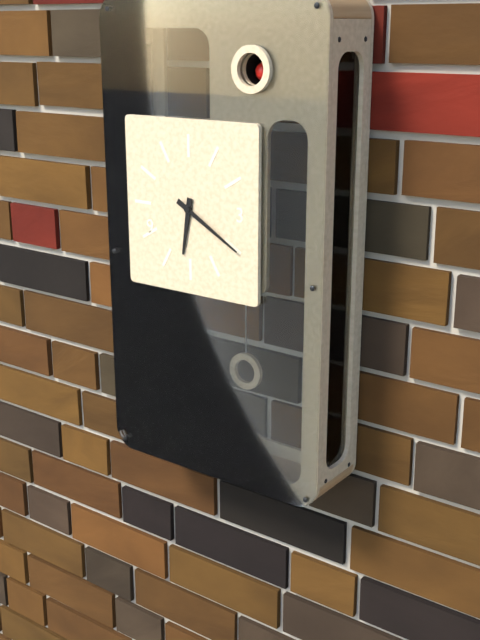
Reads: h=6 m=20
